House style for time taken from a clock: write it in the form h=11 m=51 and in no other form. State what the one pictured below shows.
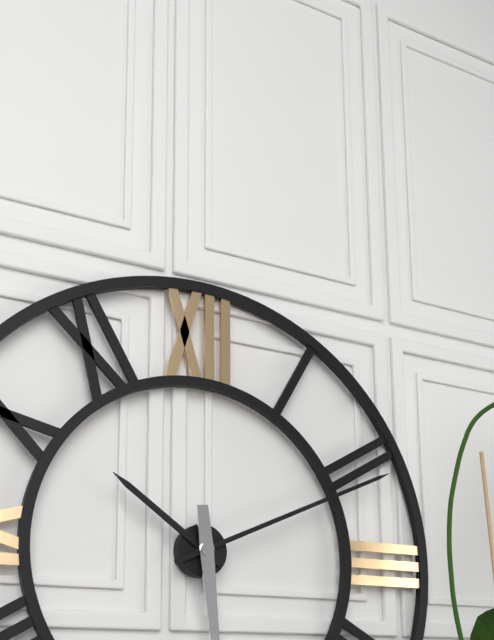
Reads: h=10 m=11
